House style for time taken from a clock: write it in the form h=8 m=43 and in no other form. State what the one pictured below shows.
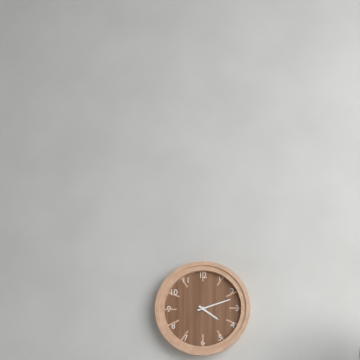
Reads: h=4 m=12
